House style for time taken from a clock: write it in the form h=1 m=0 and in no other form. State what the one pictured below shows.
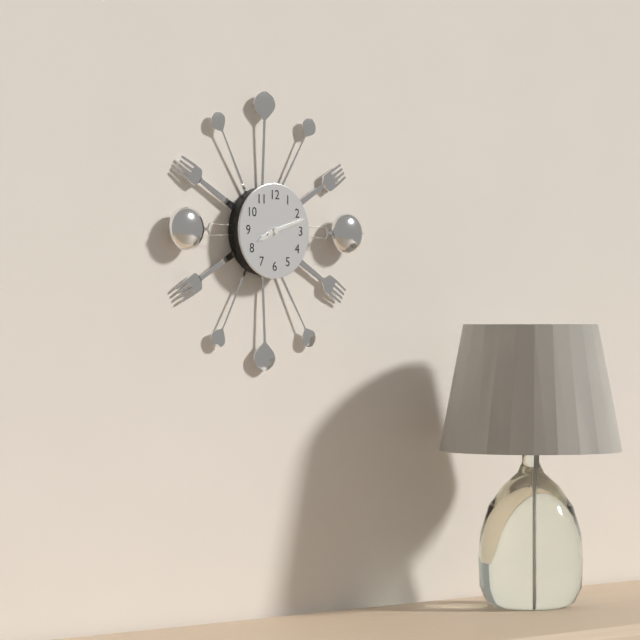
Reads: h=8 m=12
